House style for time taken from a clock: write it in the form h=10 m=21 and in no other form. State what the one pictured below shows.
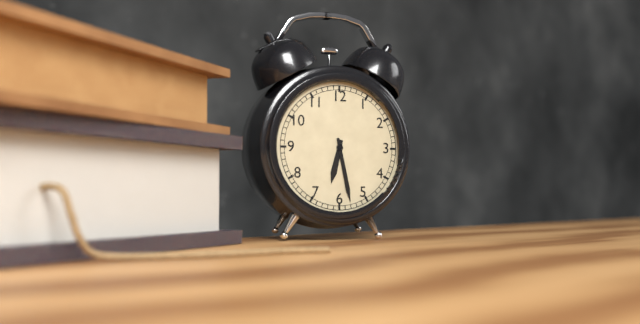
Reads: h=6 m=28
